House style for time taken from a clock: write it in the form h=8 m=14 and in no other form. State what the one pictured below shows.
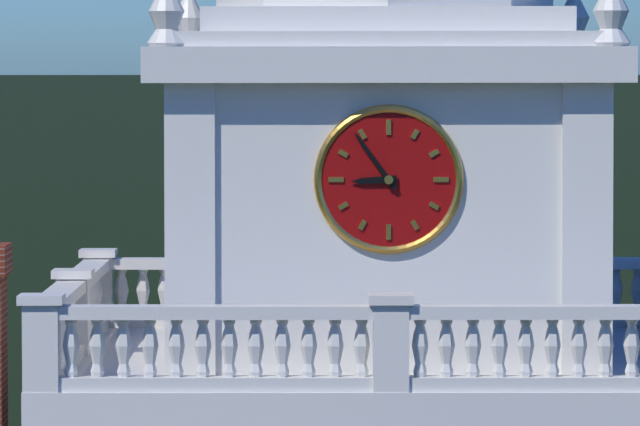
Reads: h=8 m=54
